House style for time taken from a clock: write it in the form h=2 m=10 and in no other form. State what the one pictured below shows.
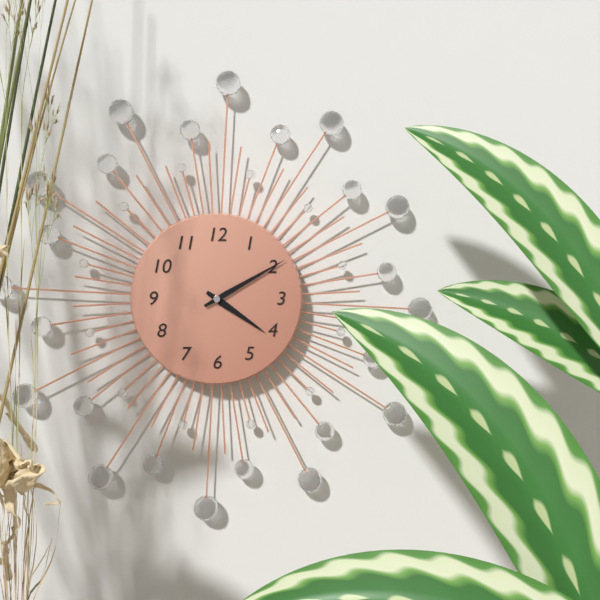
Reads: h=4 m=10
